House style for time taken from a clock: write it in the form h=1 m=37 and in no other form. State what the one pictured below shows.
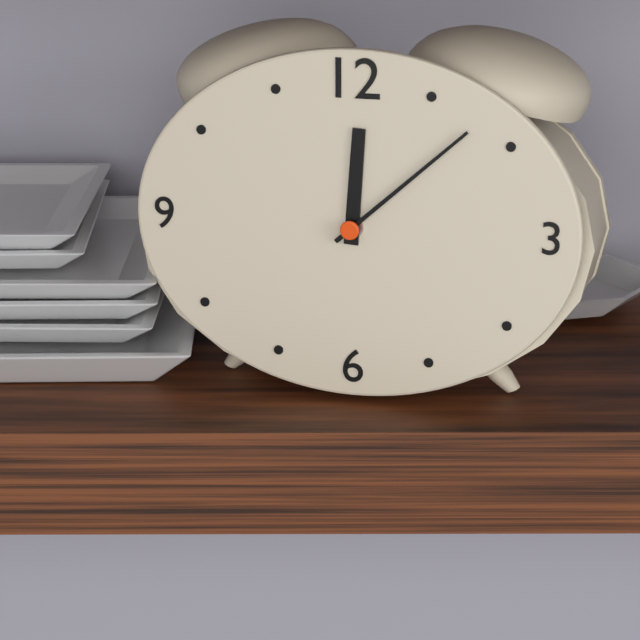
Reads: h=12 m=8
